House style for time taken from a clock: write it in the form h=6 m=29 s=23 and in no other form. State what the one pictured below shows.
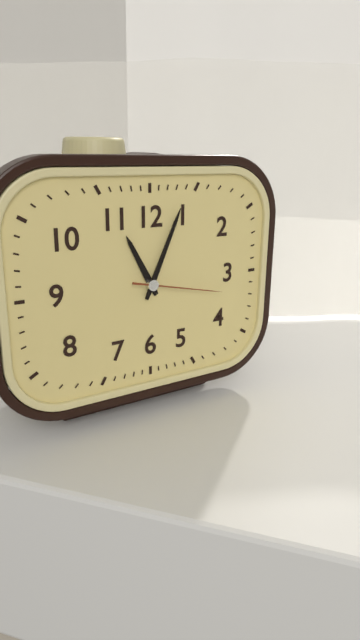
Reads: h=11 m=4 s=17
